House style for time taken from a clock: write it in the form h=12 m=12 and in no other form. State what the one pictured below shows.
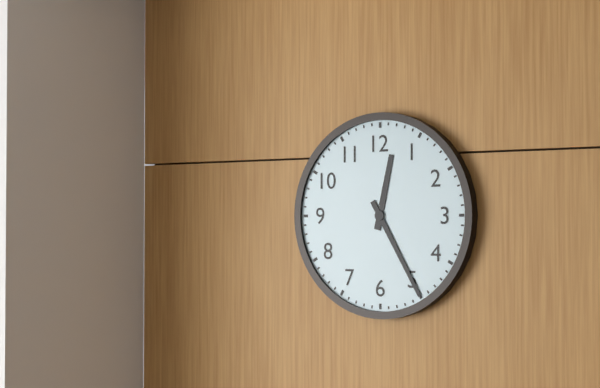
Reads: h=12 m=25
